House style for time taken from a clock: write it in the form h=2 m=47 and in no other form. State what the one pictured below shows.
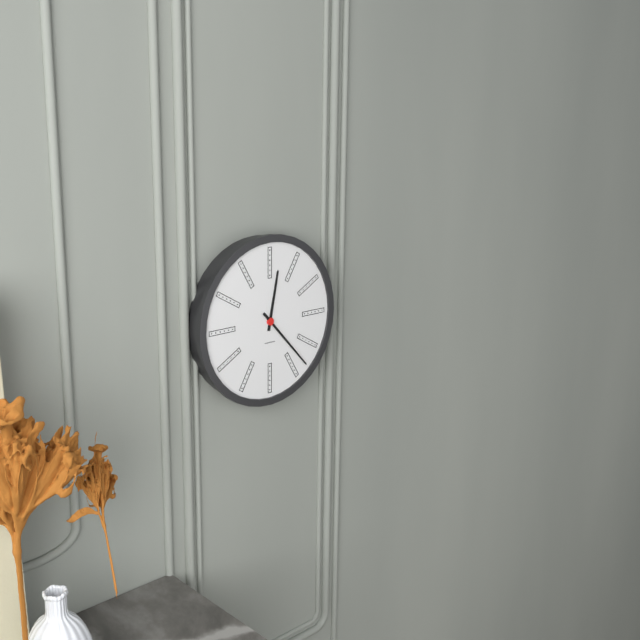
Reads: h=12 m=23
